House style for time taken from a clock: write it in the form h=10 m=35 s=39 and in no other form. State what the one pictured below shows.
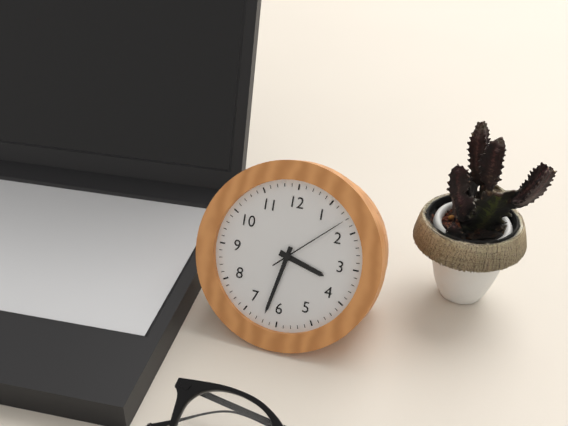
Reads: h=3 m=32 s=8
